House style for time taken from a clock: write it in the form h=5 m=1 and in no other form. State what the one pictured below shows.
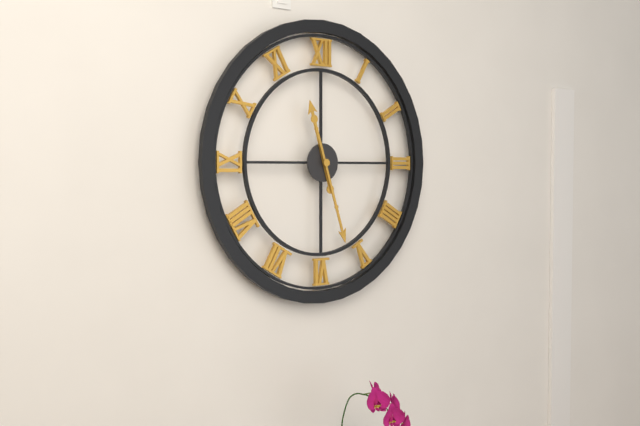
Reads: h=11 m=27
